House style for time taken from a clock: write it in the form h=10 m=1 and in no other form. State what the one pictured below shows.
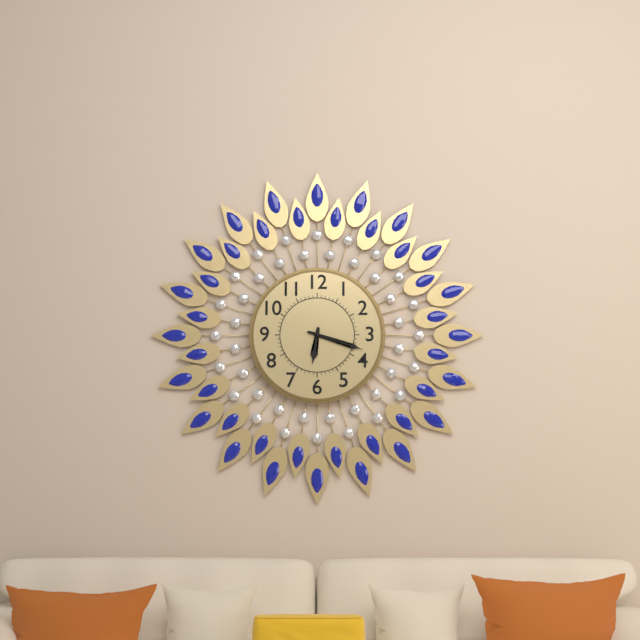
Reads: h=6 m=18
